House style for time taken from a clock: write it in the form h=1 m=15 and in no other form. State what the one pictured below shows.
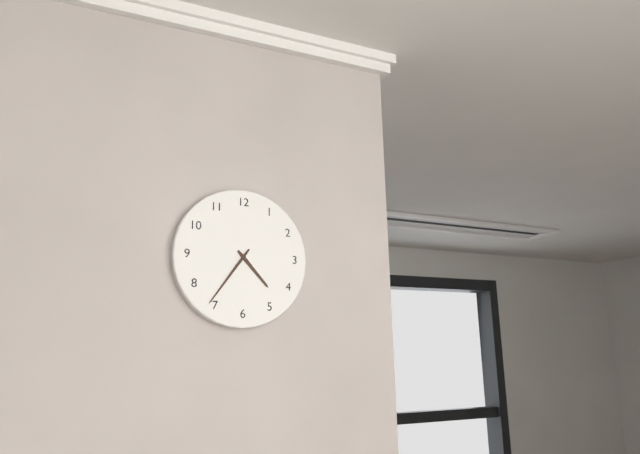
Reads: h=4 m=36
